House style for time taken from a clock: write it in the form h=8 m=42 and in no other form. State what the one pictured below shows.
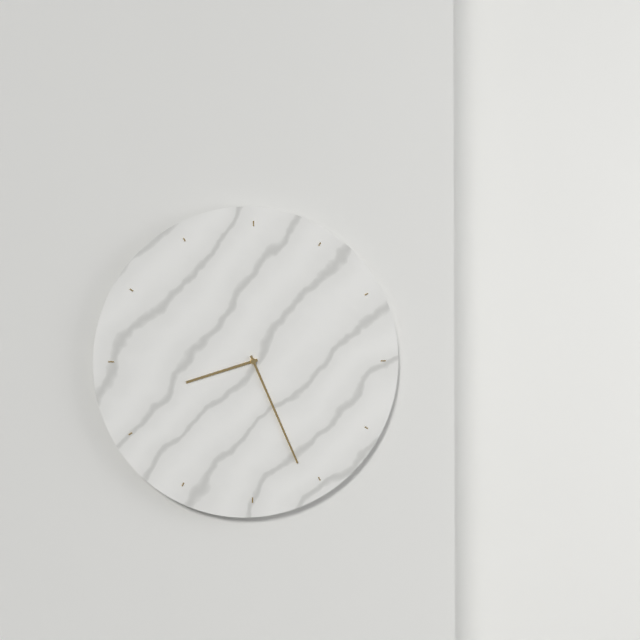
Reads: h=8 m=26
